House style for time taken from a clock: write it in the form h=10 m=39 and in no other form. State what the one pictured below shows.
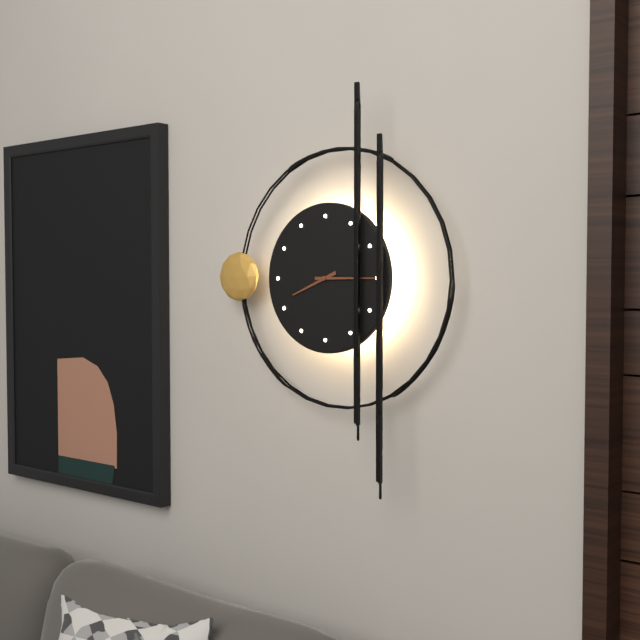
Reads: h=8 m=15
